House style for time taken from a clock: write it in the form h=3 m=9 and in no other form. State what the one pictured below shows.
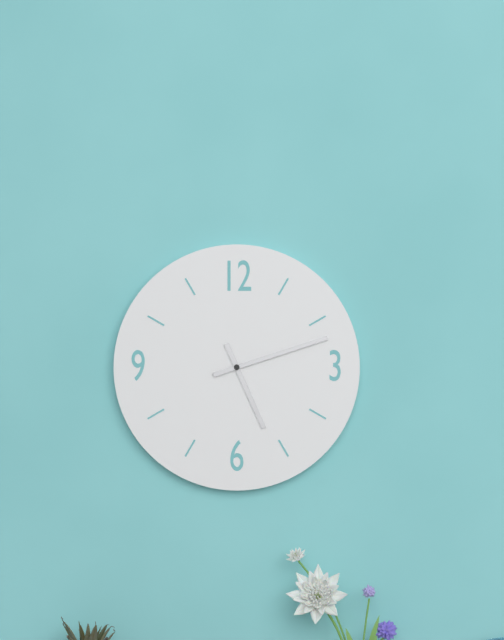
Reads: h=5 m=12
